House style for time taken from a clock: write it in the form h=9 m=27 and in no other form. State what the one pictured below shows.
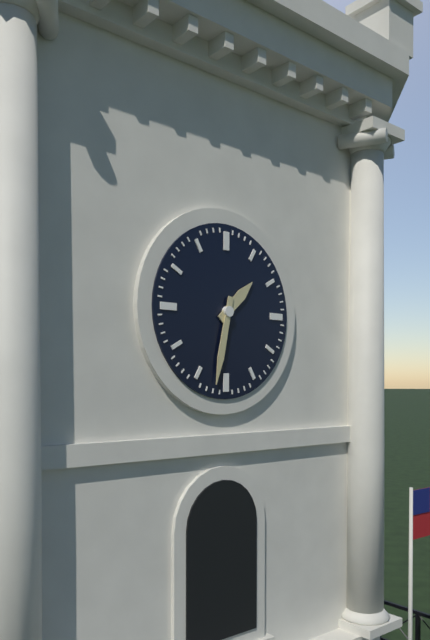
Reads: h=1 m=32
